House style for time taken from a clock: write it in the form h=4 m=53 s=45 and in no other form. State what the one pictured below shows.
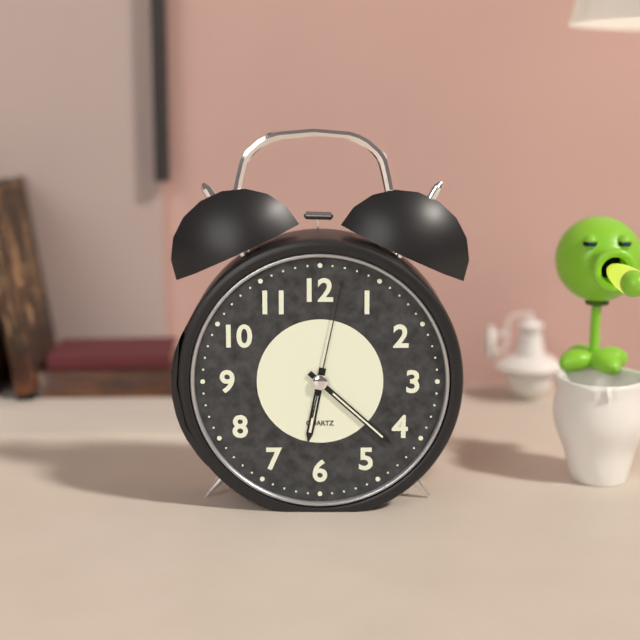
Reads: h=6 m=22 s=2
